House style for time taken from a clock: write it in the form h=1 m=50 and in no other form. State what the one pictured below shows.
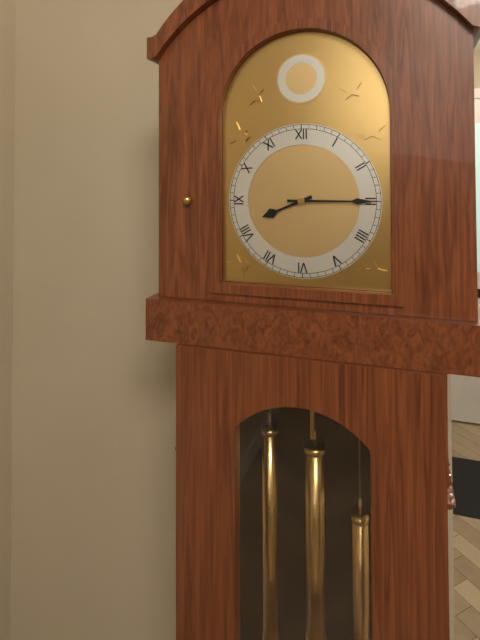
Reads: h=8 m=15
